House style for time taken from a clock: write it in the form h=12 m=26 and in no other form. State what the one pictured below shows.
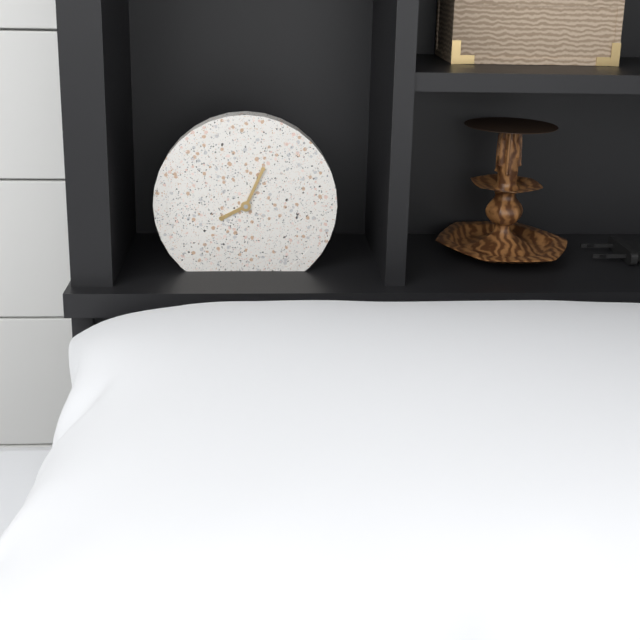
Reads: h=8 m=4
